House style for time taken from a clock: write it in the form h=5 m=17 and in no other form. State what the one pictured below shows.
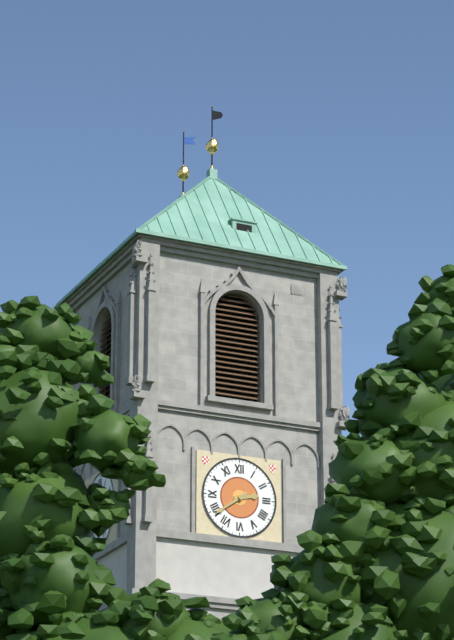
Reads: h=2 m=39
